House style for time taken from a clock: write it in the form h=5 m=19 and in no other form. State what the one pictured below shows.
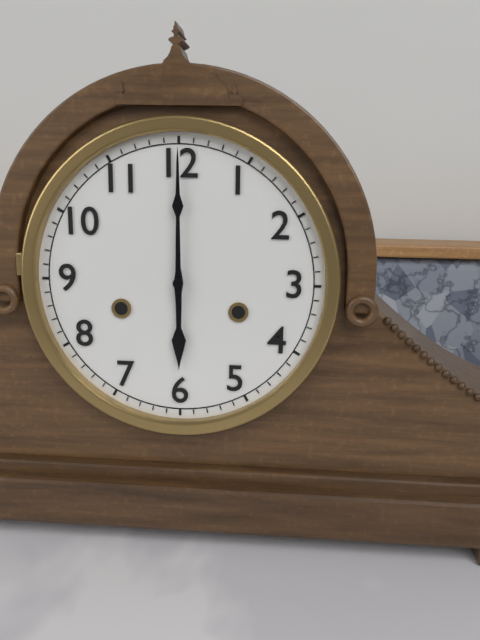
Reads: h=6 m=0
